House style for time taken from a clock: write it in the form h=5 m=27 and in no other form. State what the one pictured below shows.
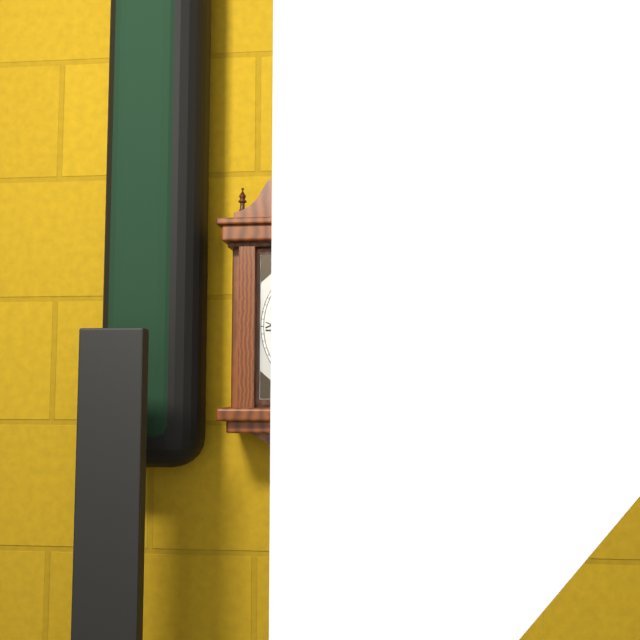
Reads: h=1 m=5
